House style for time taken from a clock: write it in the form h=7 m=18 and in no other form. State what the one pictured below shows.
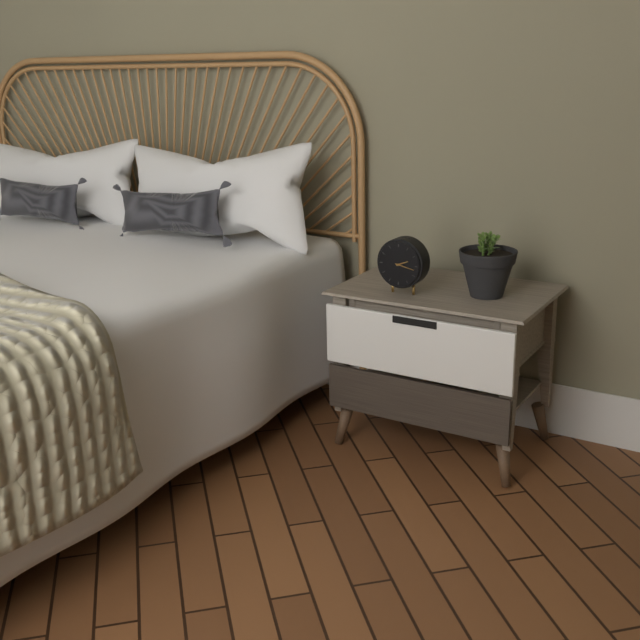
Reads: h=2 m=17
